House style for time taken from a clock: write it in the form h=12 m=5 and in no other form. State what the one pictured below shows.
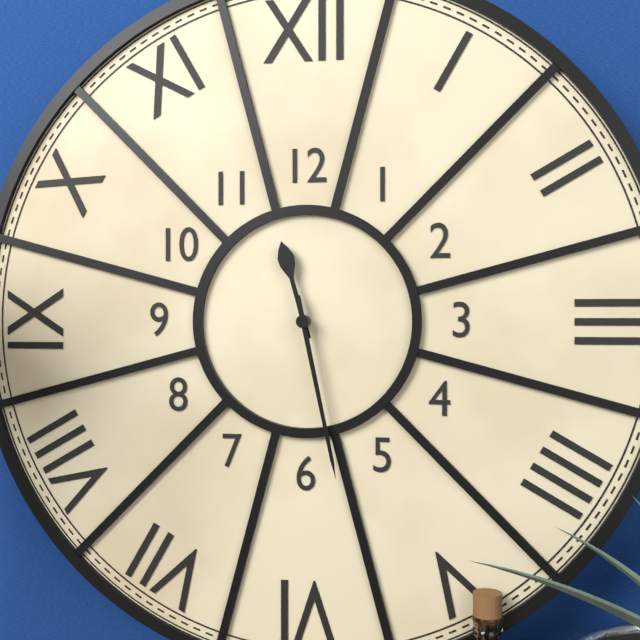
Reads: h=11 m=28
